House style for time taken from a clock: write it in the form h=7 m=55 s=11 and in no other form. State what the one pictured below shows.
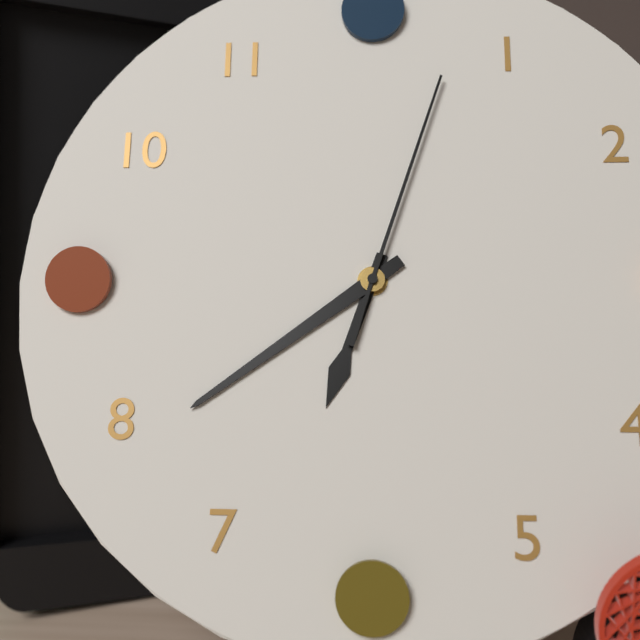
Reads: h=6 m=39 s=3
